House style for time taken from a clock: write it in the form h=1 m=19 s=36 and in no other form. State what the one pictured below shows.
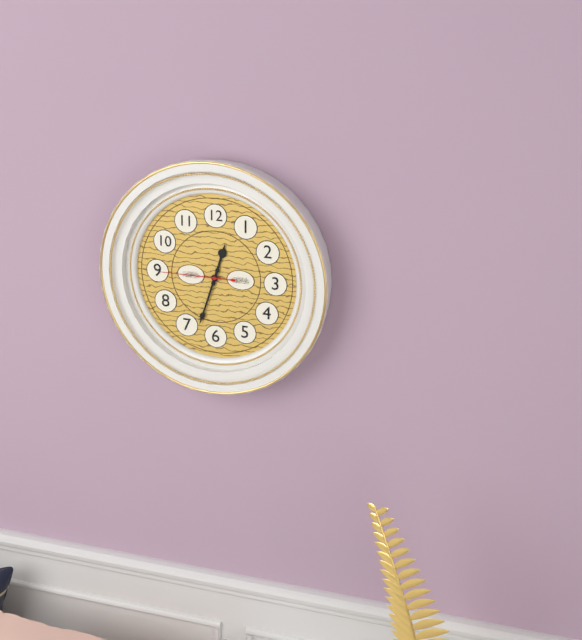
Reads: h=12 m=33 s=45
